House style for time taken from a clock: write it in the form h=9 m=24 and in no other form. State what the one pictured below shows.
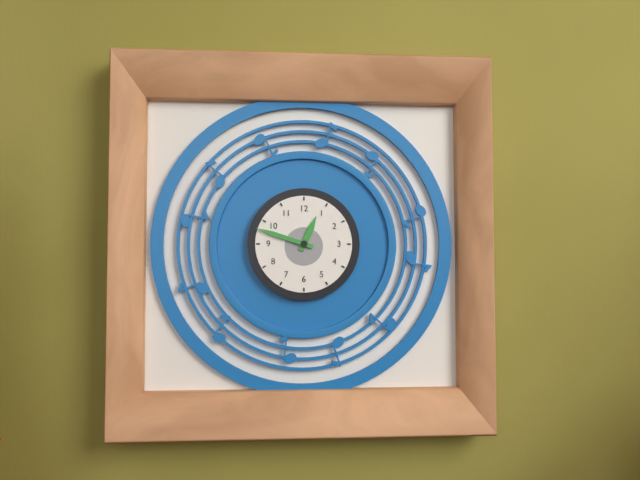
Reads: h=12 m=48
